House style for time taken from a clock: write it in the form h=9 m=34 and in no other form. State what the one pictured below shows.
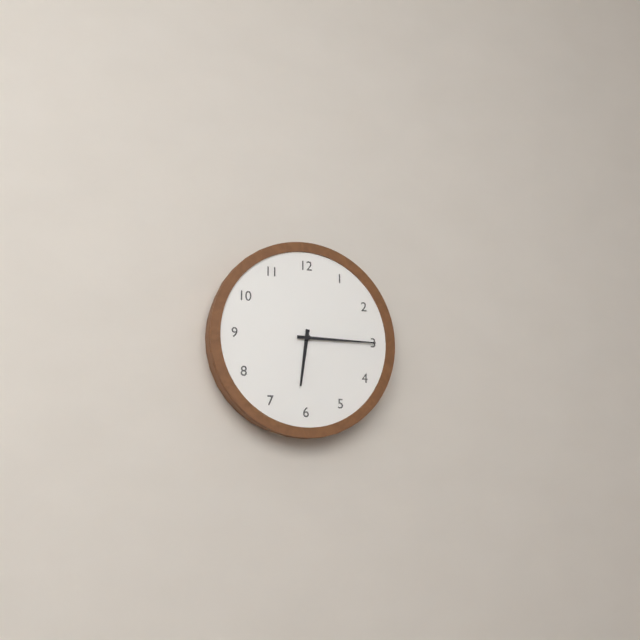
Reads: h=6 m=15
